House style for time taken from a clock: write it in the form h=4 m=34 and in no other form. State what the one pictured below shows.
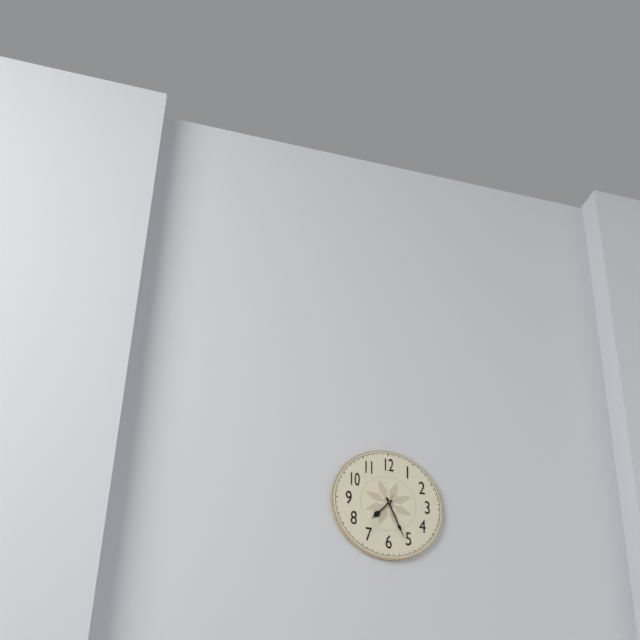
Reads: h=7 m=26
